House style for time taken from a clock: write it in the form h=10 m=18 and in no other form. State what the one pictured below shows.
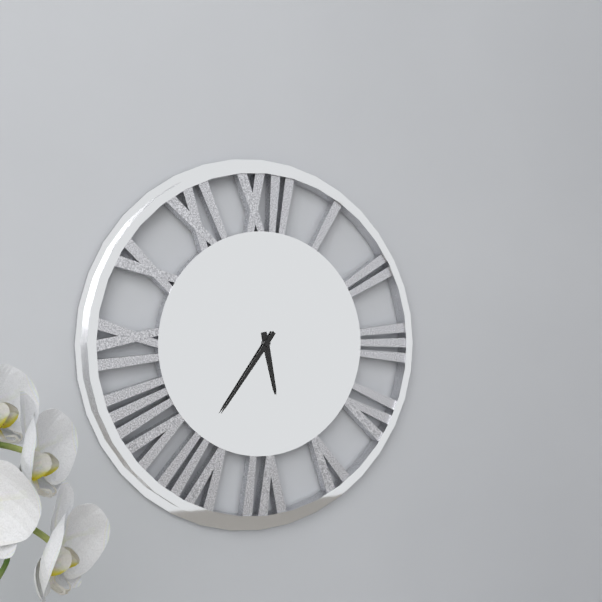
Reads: h=5 m=36
